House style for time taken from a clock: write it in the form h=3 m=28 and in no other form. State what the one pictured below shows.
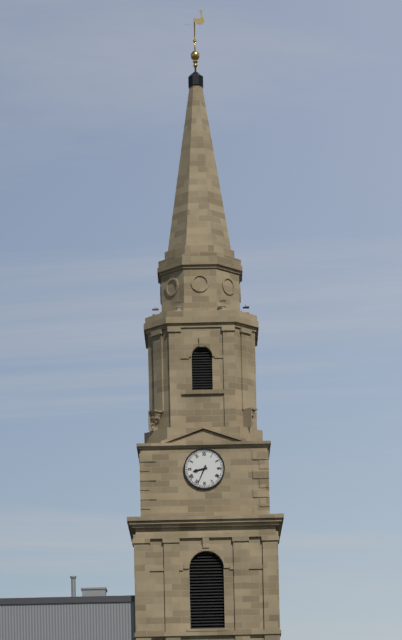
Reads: h=8 m=34
